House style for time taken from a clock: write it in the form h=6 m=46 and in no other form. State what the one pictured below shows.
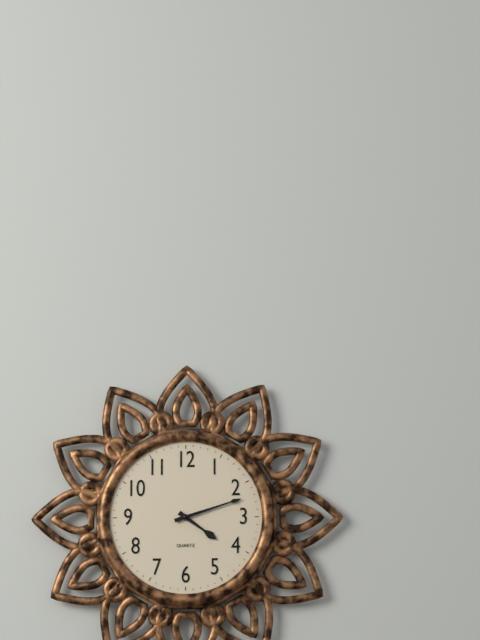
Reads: h=4 m=12
